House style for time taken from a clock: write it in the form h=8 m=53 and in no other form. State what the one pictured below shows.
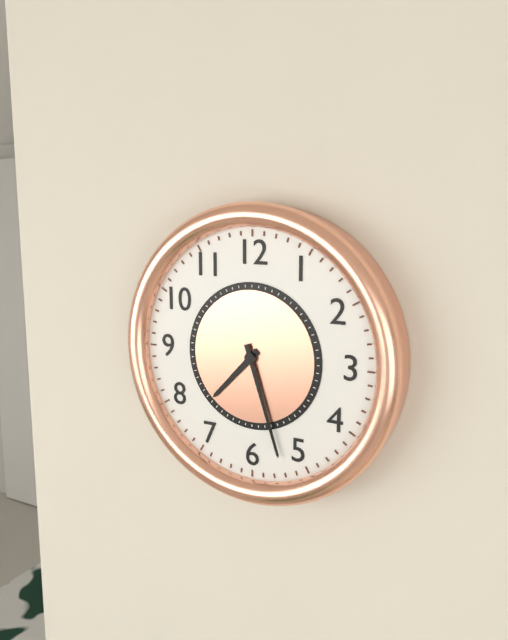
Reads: h=7 m=27
